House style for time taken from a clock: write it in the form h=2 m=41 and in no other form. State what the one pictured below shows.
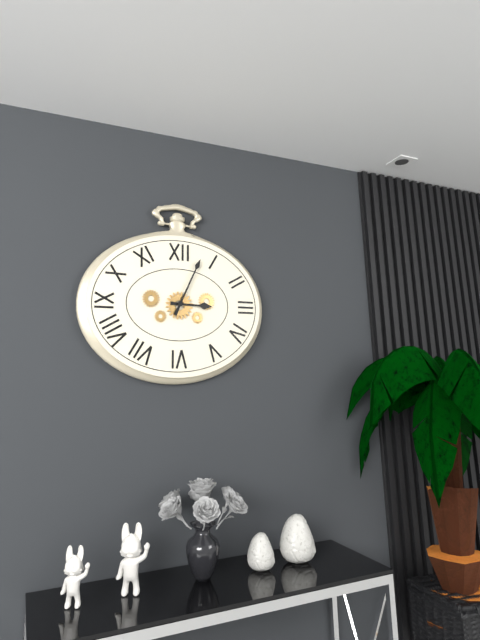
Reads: h=3 m=4
